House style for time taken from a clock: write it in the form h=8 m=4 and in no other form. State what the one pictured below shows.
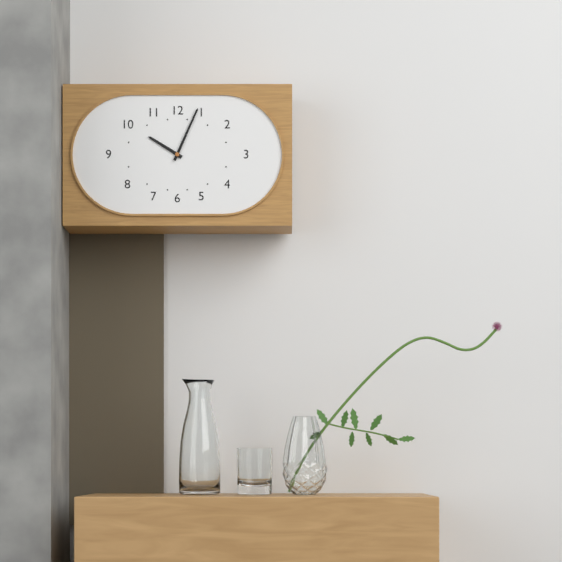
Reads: h=10 m=4
